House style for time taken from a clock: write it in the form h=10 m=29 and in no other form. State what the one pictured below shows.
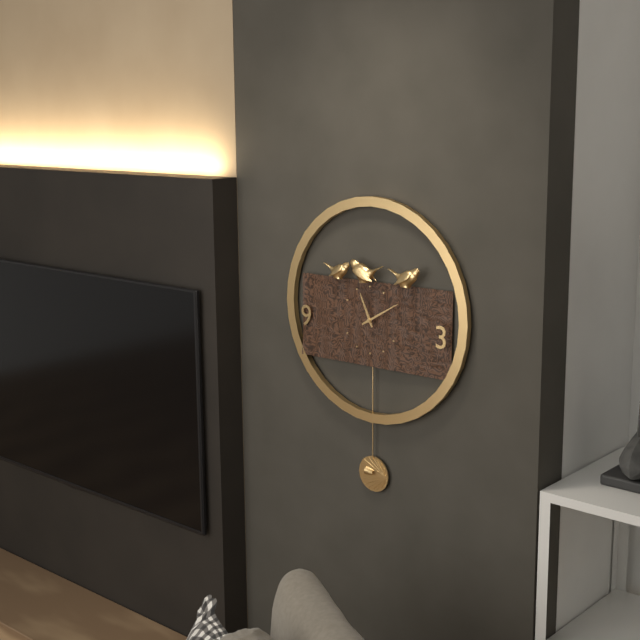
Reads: h=11 m=10
